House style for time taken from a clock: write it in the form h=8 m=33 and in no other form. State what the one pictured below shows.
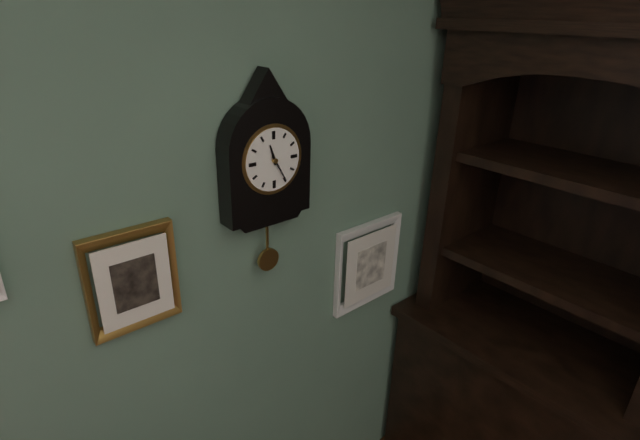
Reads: h=11 m=25
